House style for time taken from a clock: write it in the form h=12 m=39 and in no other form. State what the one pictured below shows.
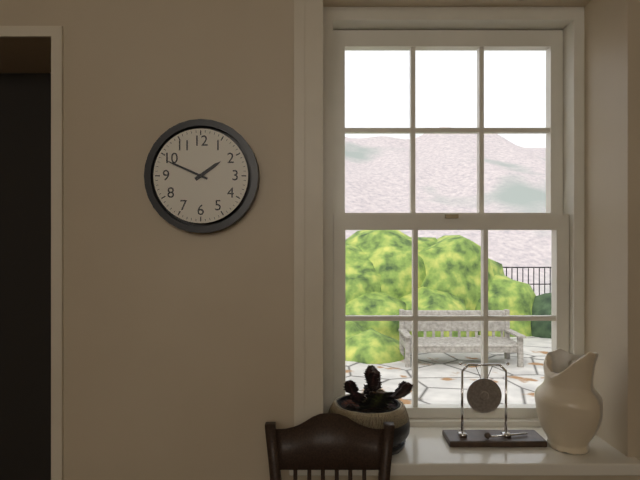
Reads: h=1 m=49
